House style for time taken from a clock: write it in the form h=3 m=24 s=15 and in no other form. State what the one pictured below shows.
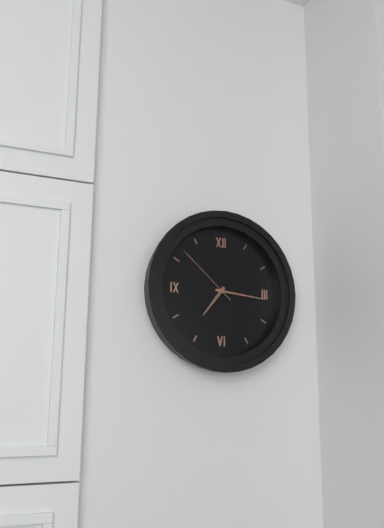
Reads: h=7 m=16 s=52
